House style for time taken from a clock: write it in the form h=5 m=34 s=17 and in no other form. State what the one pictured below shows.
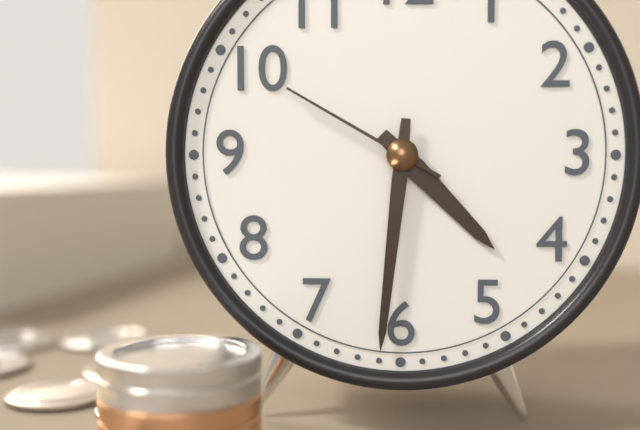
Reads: h=4 m=31 s=50
